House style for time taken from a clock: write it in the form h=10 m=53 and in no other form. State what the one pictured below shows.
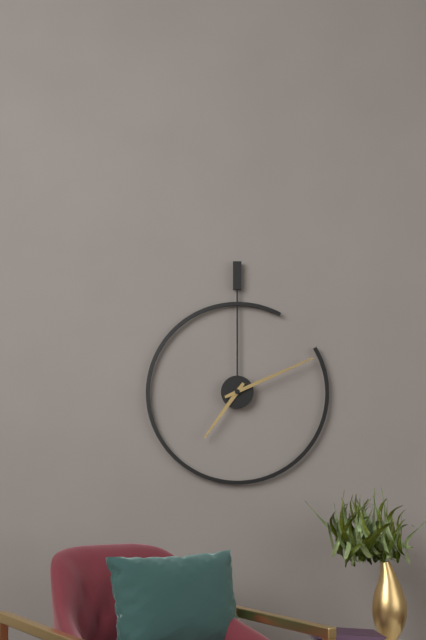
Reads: h=7 m=11
